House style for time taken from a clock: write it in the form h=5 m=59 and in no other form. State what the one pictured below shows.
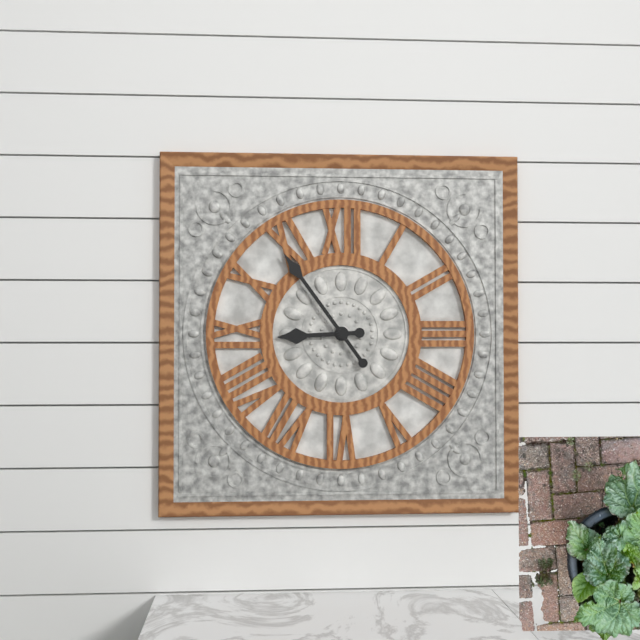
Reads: h=8 m=54
